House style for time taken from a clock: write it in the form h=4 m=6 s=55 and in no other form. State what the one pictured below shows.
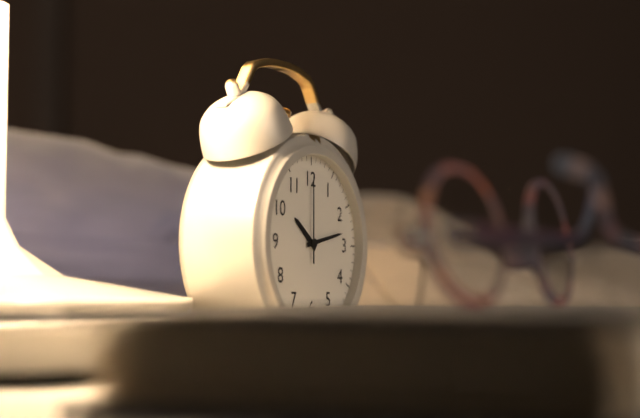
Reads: h=10 m=13 s=0
